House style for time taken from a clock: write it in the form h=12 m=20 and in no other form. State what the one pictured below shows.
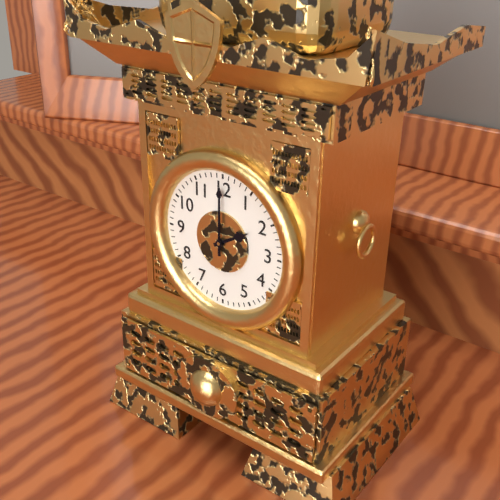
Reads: h=2 m=0
